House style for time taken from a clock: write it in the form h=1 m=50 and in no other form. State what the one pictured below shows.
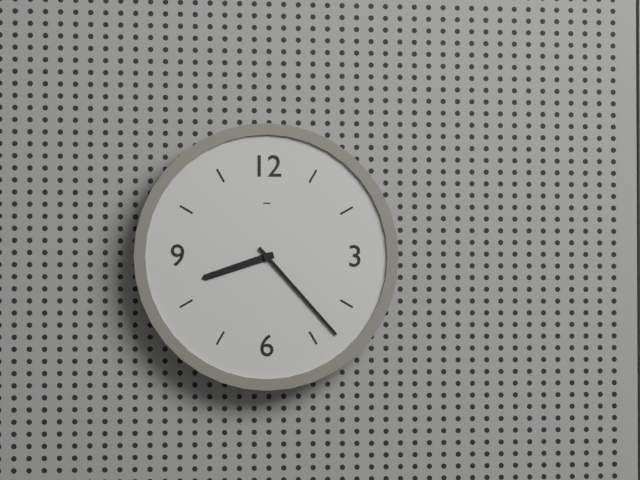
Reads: h=8 m=23
